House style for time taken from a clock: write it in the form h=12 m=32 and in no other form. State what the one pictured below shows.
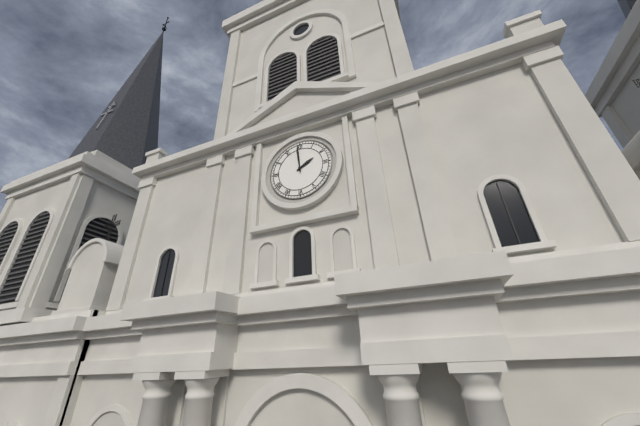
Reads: h=1 m=59
